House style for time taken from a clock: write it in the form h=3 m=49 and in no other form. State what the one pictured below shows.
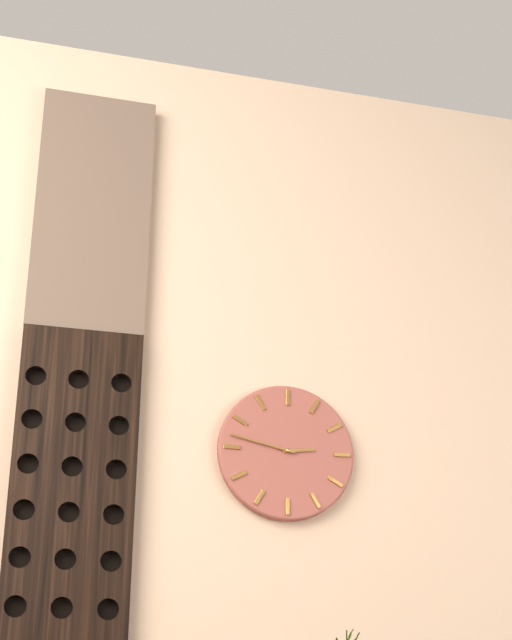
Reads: h=2 m=47
